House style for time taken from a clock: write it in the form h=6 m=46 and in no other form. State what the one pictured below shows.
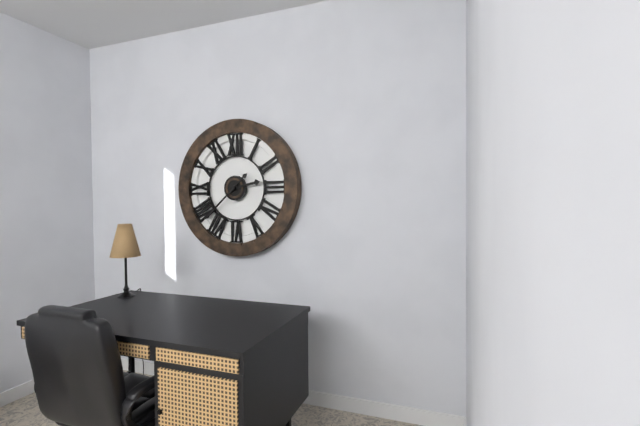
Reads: h=2 m=38
